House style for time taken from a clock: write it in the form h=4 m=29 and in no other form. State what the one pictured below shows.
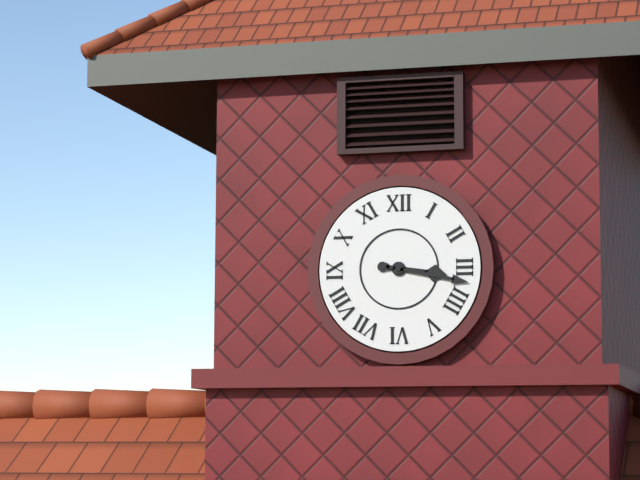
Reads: h=3 m=17
